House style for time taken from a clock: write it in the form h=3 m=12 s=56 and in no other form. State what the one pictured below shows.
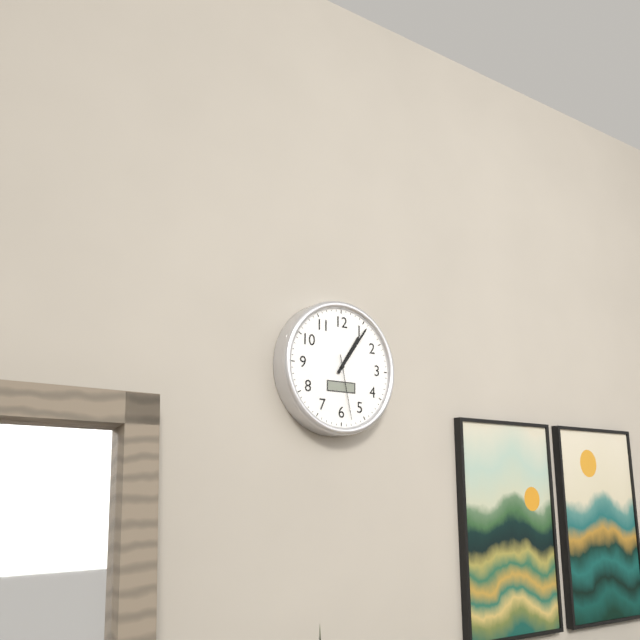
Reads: h=1 m=6 s=28
